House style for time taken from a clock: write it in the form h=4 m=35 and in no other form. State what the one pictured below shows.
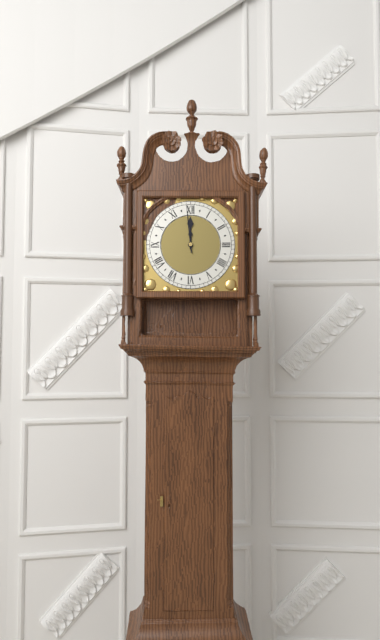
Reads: h=11 m=59
